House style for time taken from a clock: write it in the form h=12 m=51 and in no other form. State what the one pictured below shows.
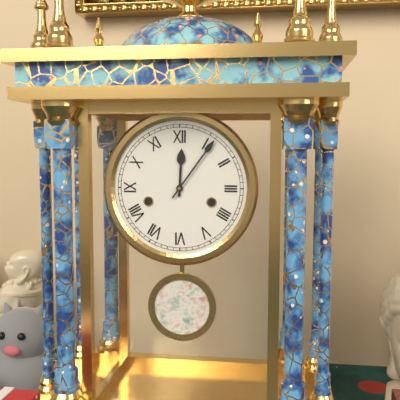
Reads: h=12 m=6
